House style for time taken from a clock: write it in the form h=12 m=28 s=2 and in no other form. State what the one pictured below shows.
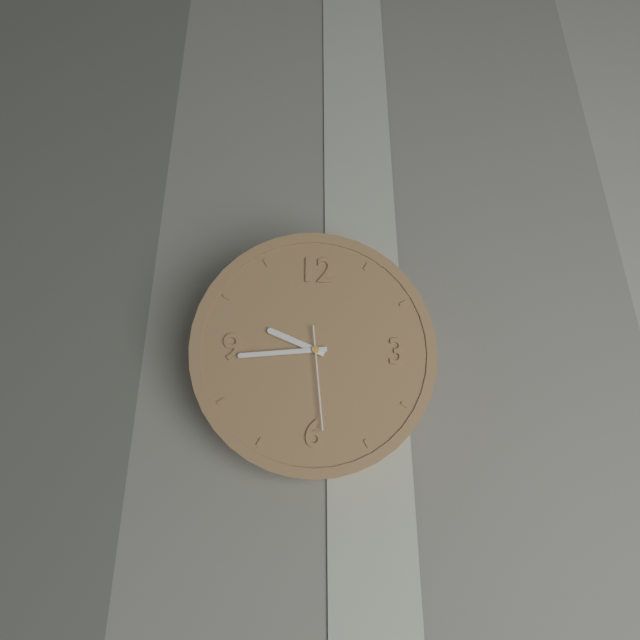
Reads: h=9 m=44 s=29
